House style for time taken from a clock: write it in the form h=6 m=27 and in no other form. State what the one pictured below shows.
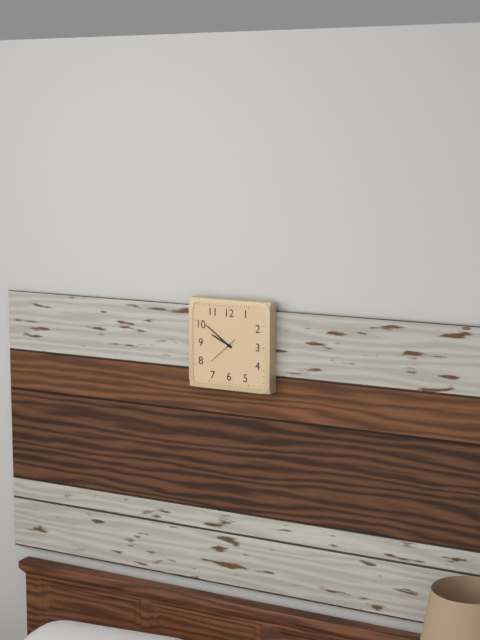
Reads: h=9 m=51
